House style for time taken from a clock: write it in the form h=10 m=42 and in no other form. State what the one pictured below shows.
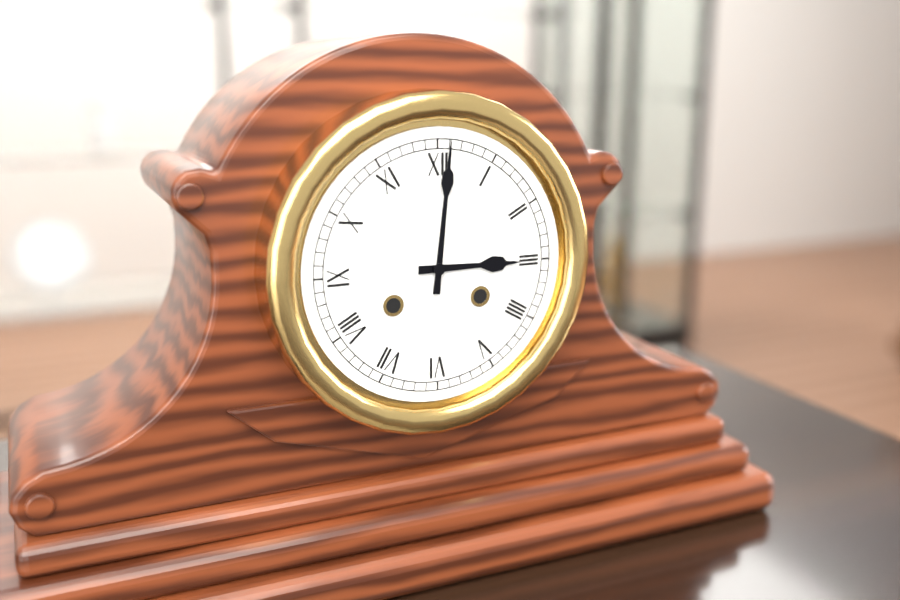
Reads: h=3 m=1
